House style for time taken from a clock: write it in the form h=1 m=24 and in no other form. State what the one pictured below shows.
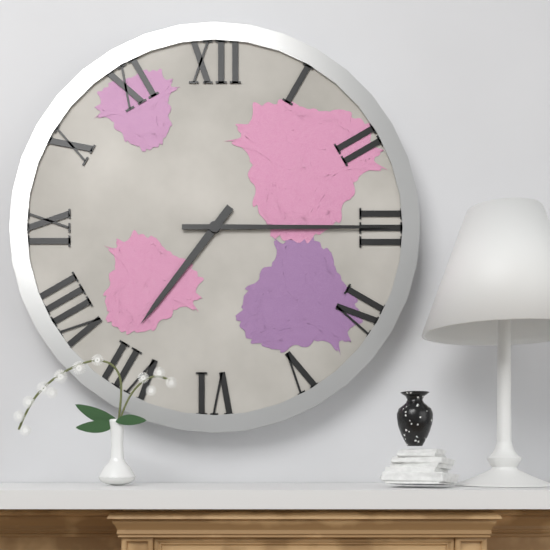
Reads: h=7 m=15
